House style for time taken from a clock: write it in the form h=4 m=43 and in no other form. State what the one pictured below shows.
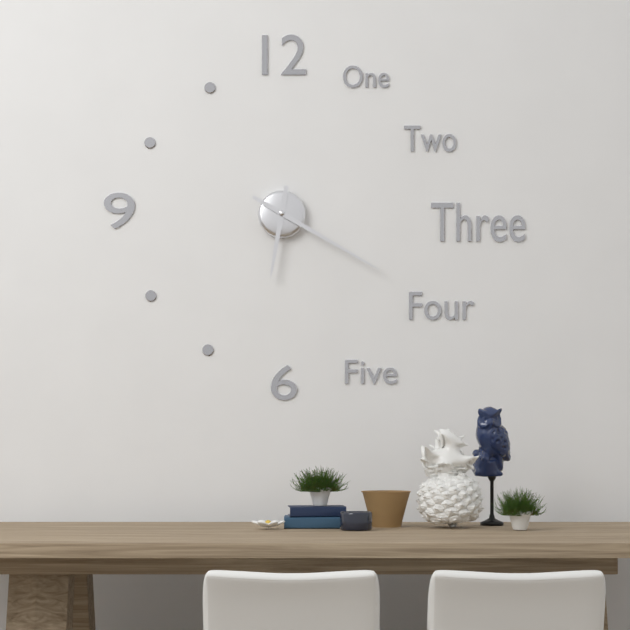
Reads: h=6 m=20
